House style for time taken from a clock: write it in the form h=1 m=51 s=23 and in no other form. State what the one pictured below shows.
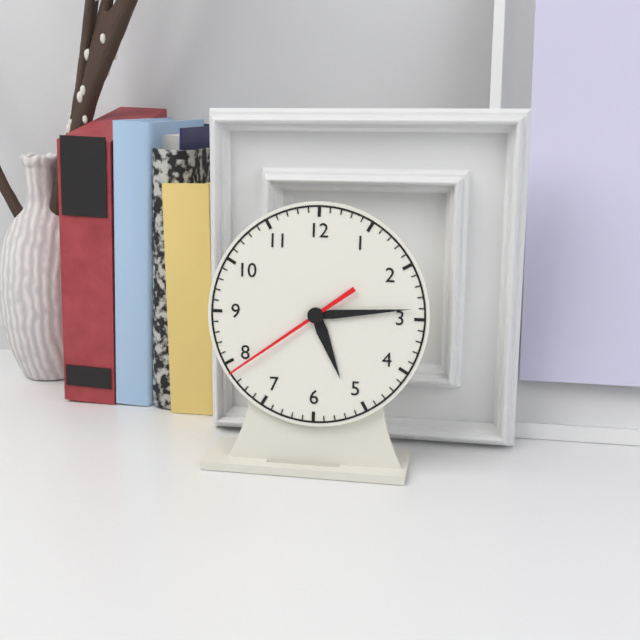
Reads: h=5 m=14 s=39
